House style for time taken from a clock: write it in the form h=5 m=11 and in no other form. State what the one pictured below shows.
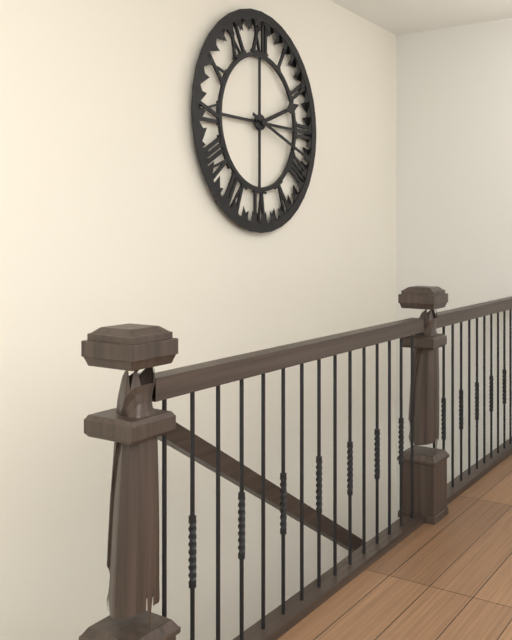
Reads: h=2 m=18
